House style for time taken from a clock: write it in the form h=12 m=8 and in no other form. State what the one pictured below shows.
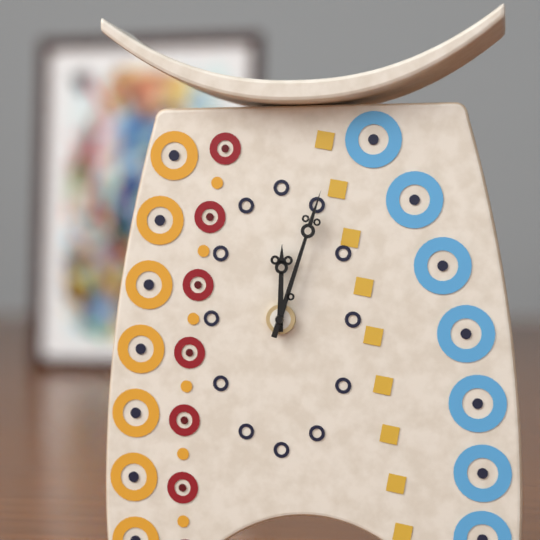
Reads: h=12 m=3
